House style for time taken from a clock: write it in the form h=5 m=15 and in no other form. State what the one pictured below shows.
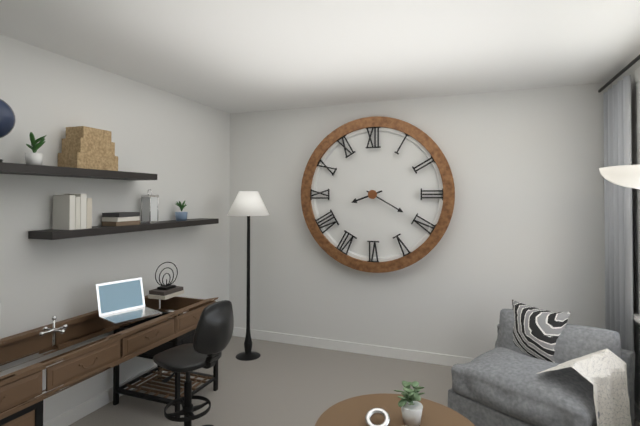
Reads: h=8 m=20
